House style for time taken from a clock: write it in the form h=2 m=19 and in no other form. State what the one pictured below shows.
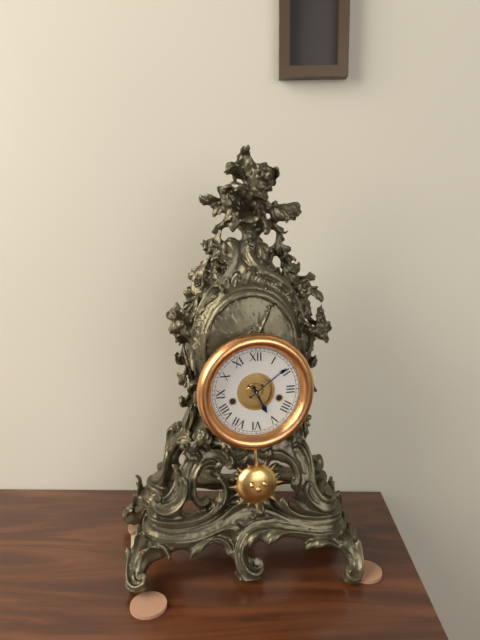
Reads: h=5 m=9
